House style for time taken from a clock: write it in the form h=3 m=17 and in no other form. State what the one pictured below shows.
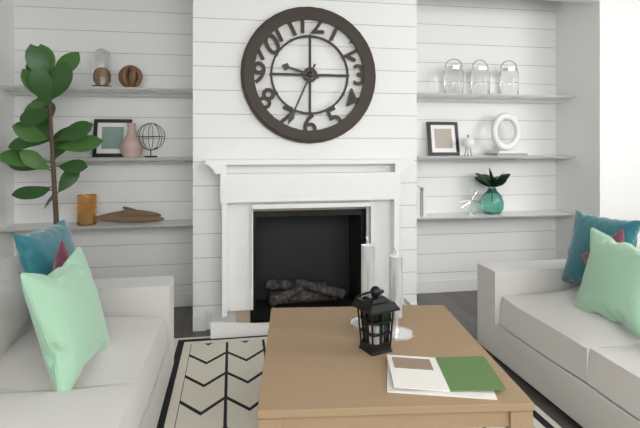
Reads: h=9 m=34
